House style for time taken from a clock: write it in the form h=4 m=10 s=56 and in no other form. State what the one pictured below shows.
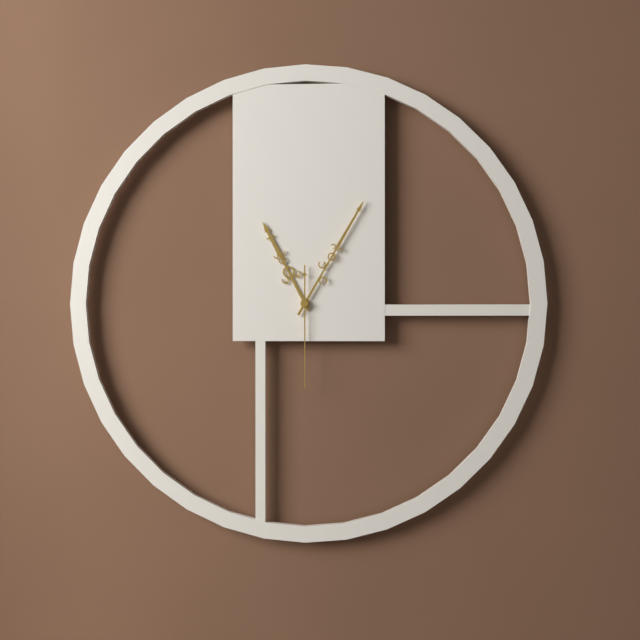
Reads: h=11 m=5 s=30
